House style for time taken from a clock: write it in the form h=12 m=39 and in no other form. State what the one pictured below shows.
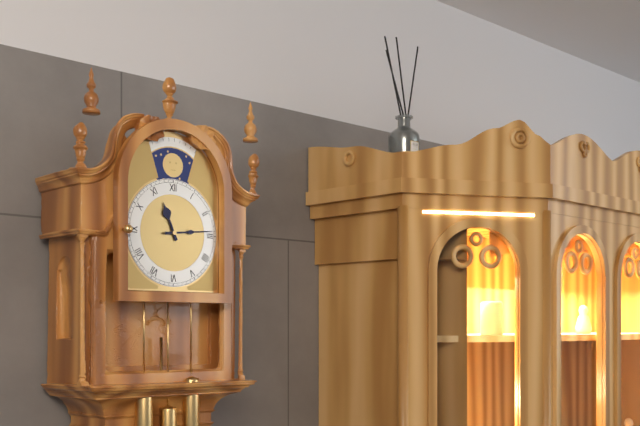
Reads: h=11 m=14
